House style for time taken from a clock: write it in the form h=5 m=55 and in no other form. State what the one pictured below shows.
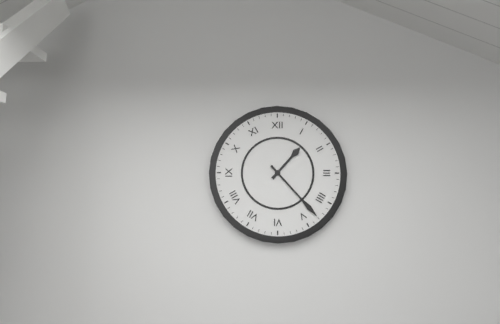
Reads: h=1 m=23
